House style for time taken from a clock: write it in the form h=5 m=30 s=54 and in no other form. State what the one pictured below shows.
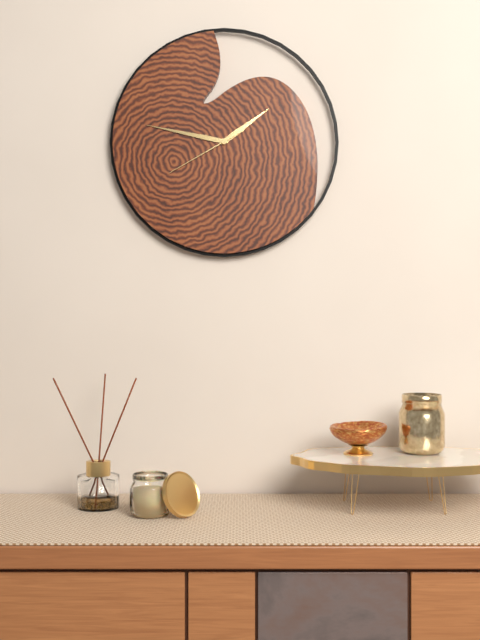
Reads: h=1 m=47 s=40
